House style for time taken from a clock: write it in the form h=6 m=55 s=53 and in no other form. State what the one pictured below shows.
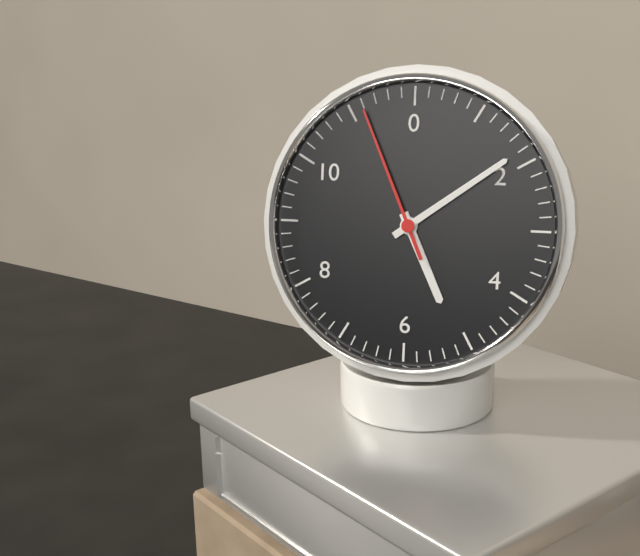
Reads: h=5 m=9 s=56
